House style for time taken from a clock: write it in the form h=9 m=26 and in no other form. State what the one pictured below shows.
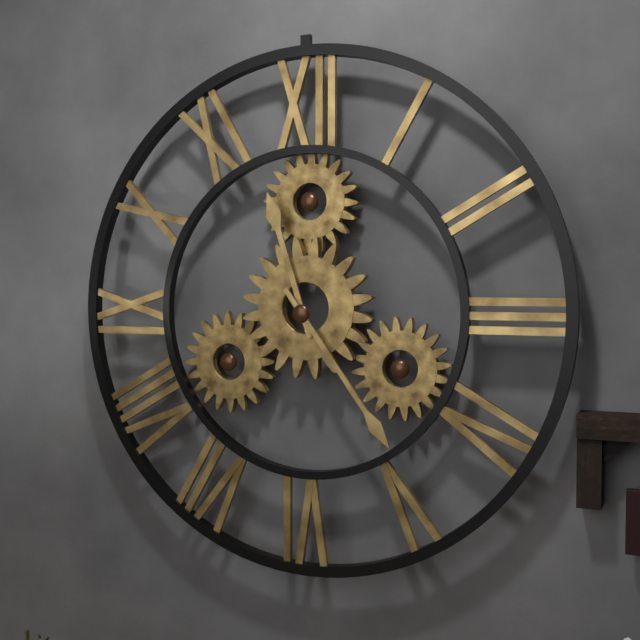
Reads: h=11 m=24
